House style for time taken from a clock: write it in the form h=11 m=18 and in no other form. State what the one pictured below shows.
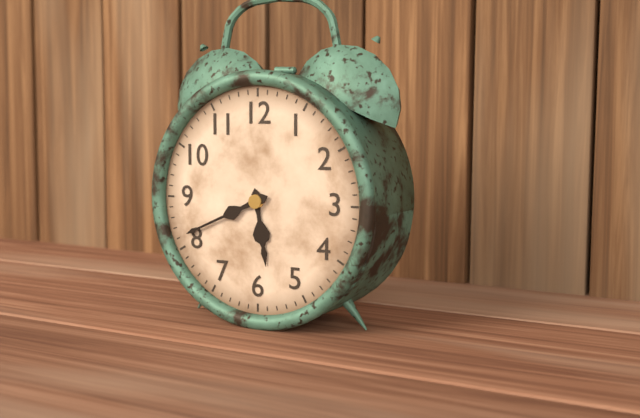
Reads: h=5 m=41
